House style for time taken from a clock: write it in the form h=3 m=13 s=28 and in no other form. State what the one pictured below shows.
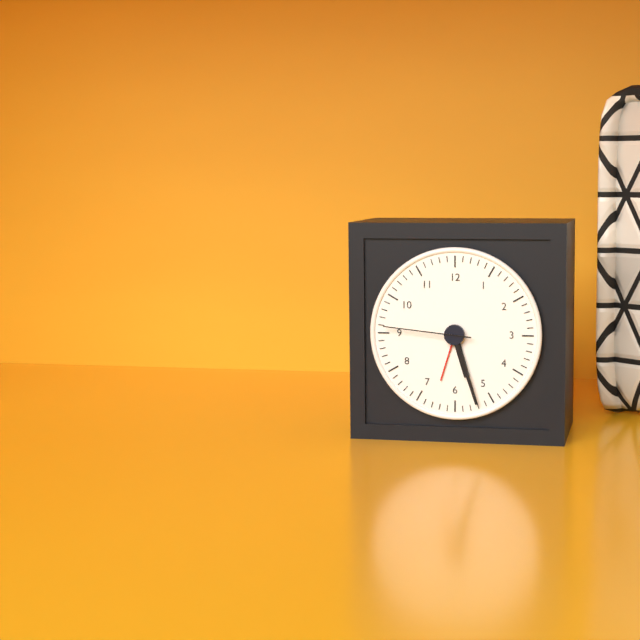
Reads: h=5 m=27 s=46
